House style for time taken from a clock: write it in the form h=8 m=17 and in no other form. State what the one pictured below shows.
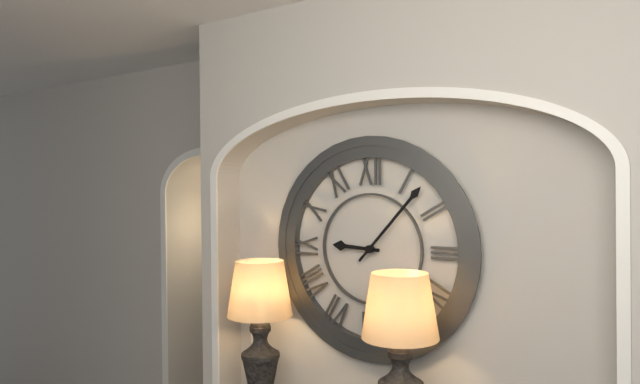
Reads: h=9 m=7
